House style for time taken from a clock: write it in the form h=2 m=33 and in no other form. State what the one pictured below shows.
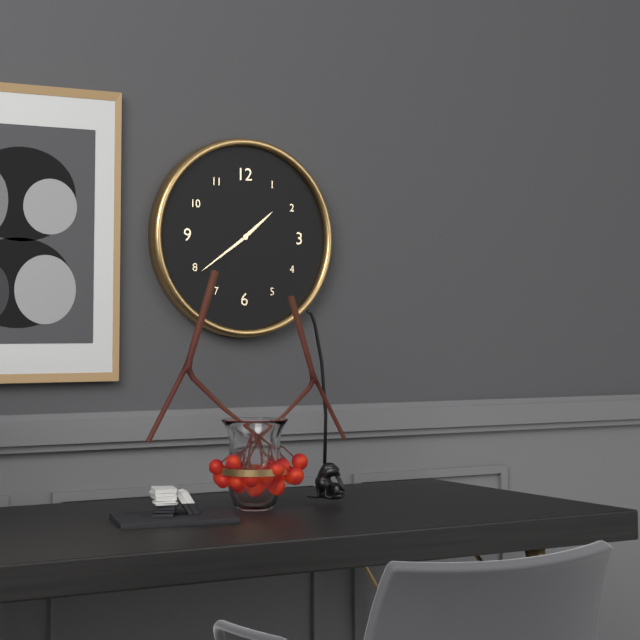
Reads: h=1 m=39
